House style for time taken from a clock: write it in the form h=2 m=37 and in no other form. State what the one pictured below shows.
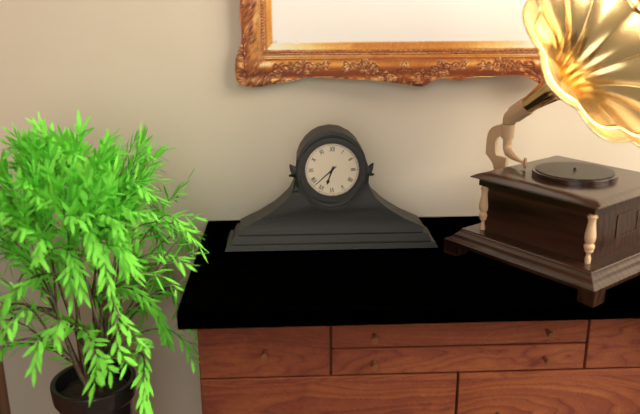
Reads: h=6 m=38
